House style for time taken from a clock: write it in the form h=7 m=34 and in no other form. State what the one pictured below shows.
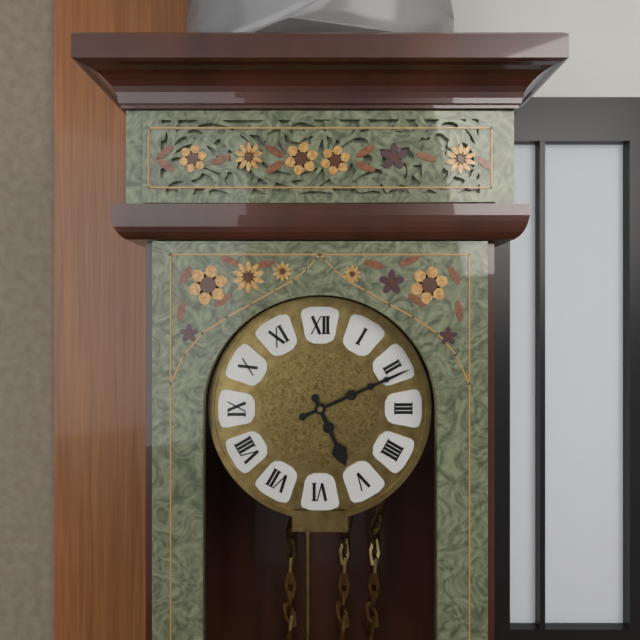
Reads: h=5 m=11
